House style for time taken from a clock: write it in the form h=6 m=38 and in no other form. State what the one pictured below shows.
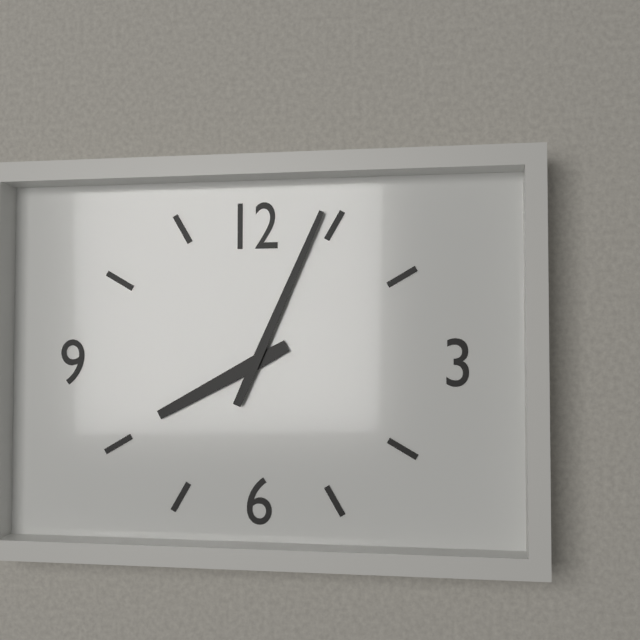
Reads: h=8 m=4
